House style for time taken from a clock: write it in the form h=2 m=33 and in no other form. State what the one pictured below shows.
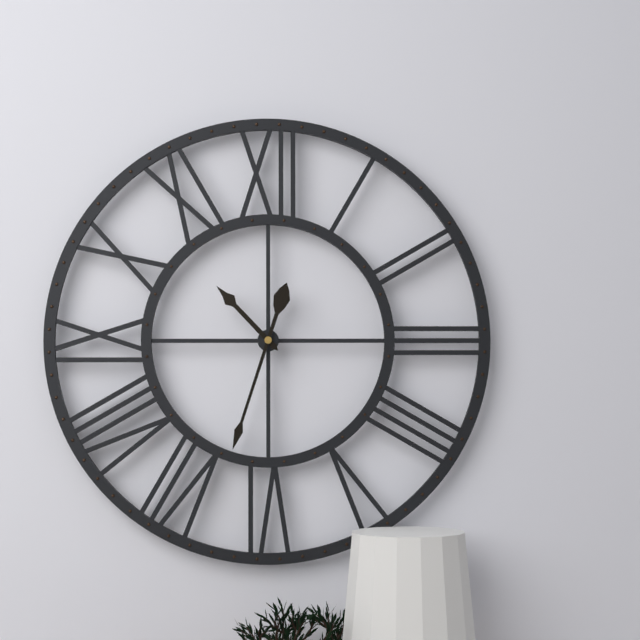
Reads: h=10 m=33
